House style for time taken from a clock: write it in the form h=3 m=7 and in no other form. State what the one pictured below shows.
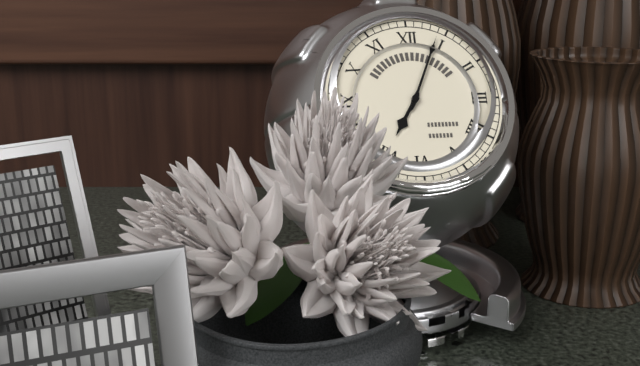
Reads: h=7 m=4
